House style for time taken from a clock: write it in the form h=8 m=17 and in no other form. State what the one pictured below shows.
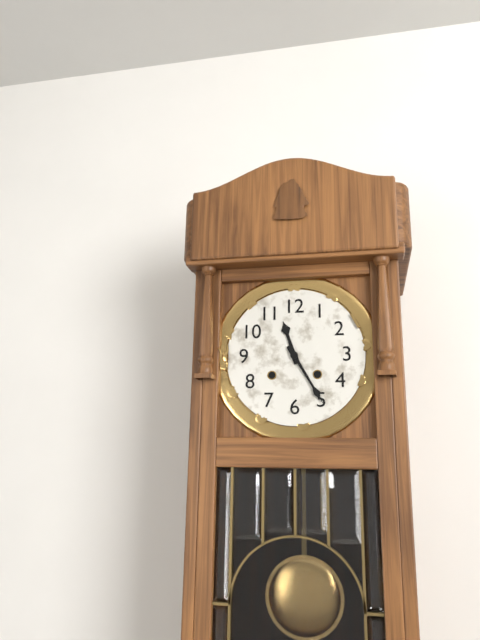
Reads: h=11 m=25
